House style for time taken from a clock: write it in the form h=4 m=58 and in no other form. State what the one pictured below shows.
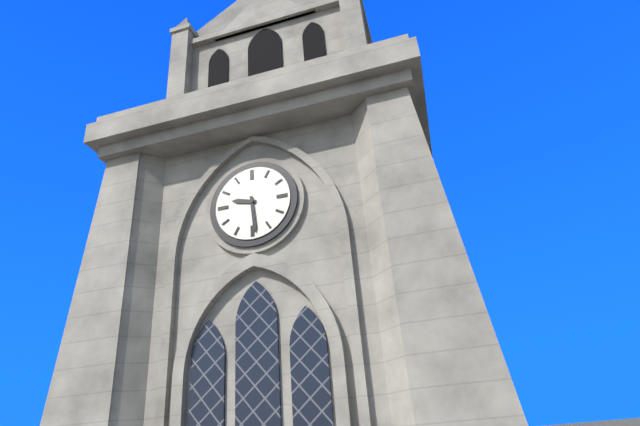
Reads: h=9 m=29
